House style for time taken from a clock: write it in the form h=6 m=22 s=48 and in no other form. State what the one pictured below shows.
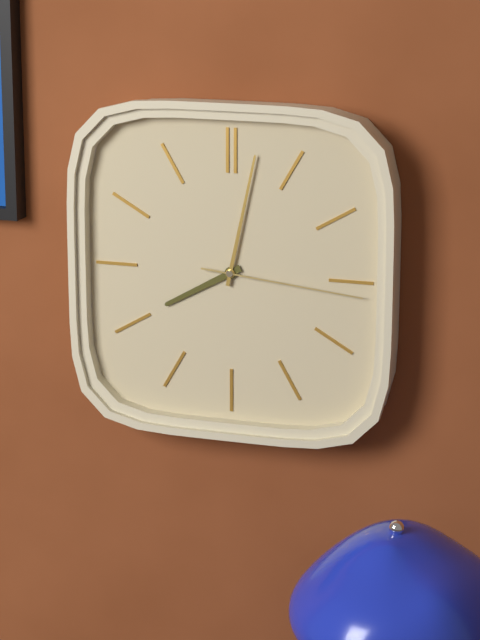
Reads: h=8 m=2 s=16
